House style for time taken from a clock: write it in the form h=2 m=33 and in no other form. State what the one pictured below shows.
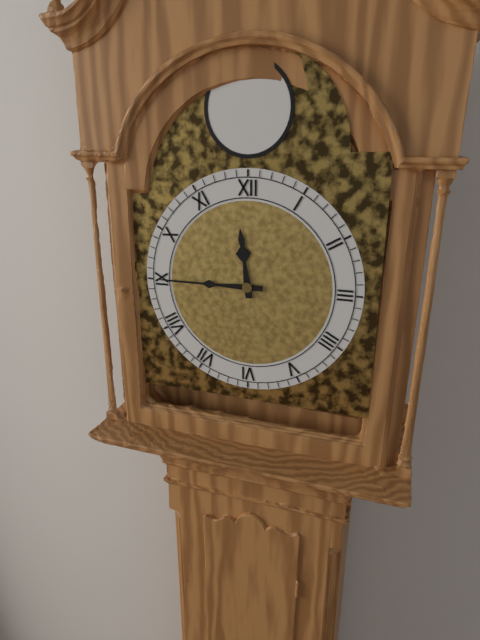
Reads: h=11 m=45
